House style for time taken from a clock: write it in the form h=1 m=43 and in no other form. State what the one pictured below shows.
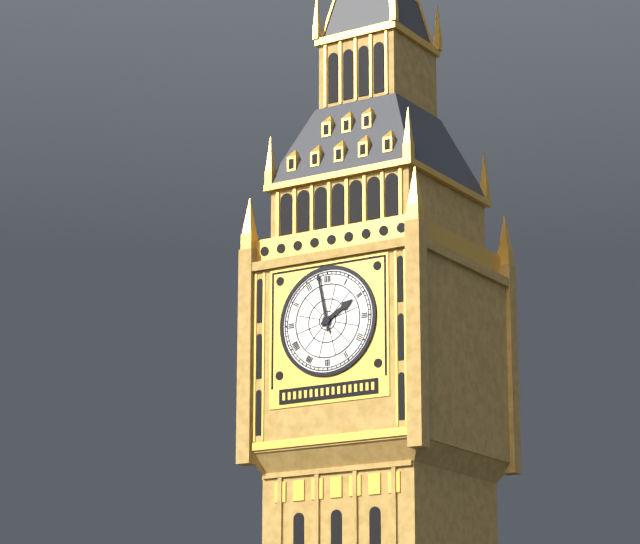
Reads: h=1 m=58
